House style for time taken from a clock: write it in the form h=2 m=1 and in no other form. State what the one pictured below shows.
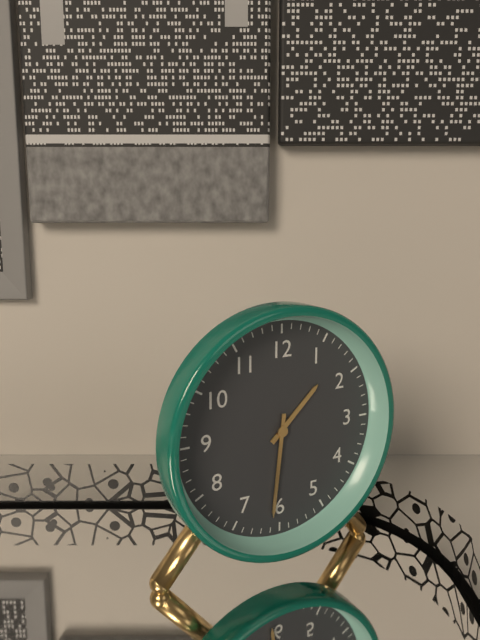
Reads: h=1 m=31
